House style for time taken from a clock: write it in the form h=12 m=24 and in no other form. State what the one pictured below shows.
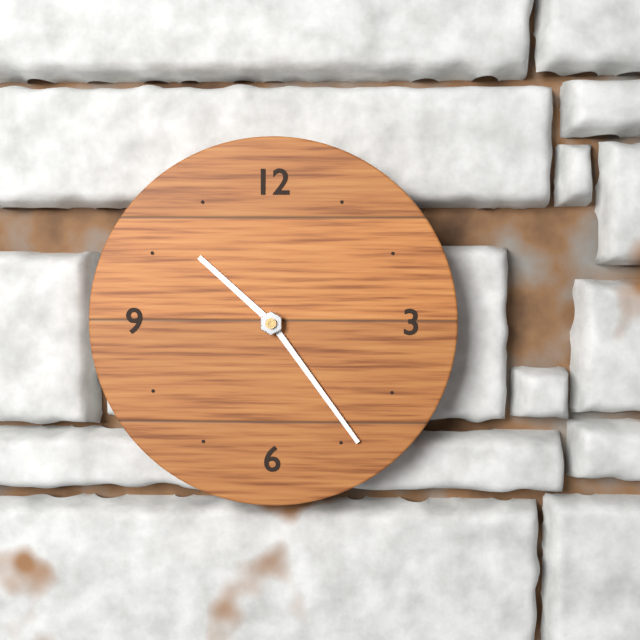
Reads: h=10 m=24
